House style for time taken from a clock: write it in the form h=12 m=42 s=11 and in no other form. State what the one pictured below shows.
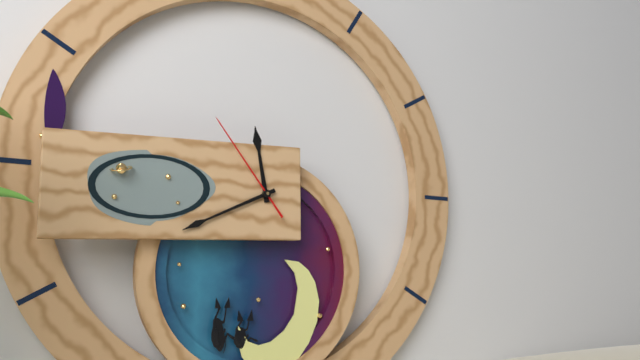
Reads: h=11 m=41 s=54
